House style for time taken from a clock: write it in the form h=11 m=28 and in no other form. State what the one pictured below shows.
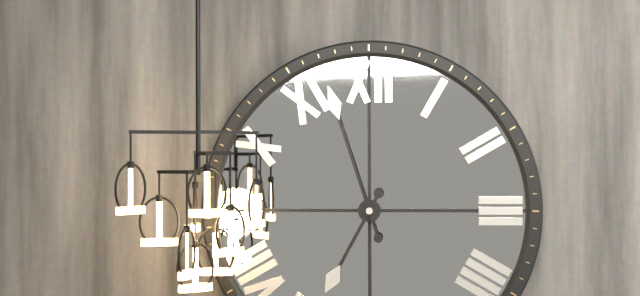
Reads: h=6 m=57
